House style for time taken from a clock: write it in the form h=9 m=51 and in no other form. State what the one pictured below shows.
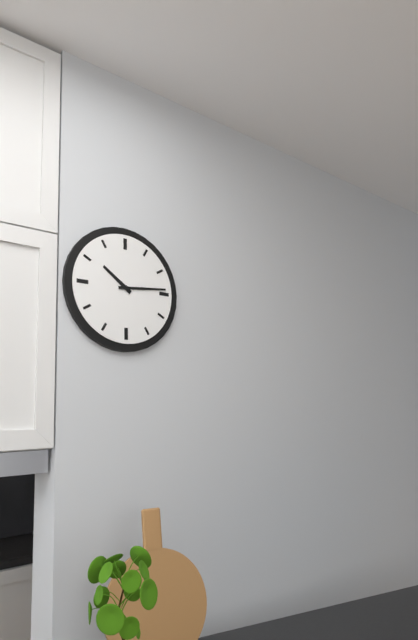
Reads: h=10 m=14
